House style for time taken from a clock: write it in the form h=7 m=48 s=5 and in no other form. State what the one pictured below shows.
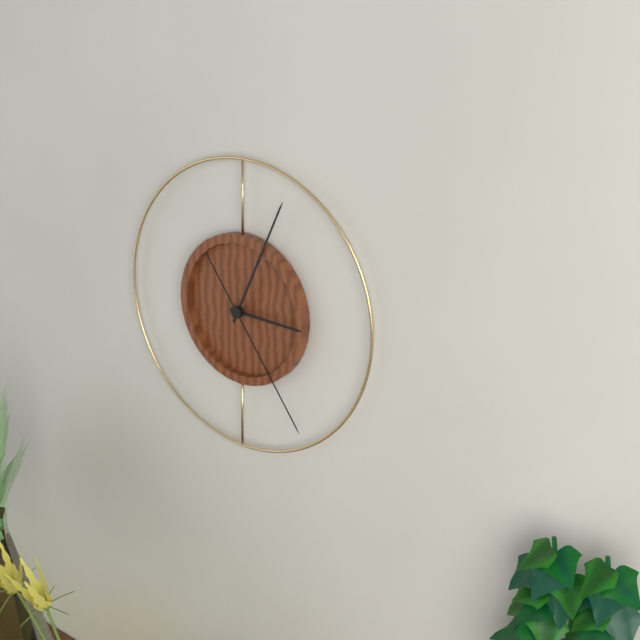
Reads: h=3 m=4 s=24
